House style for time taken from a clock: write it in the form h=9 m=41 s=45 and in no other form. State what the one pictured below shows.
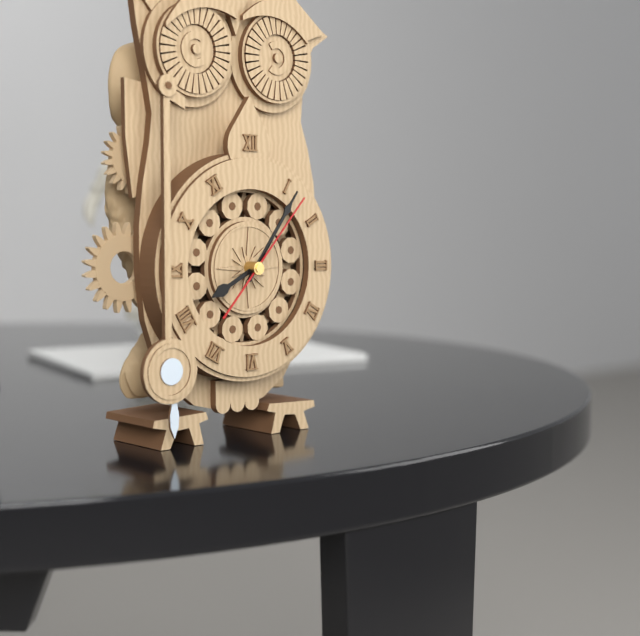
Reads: h=8 m=6 s=7
